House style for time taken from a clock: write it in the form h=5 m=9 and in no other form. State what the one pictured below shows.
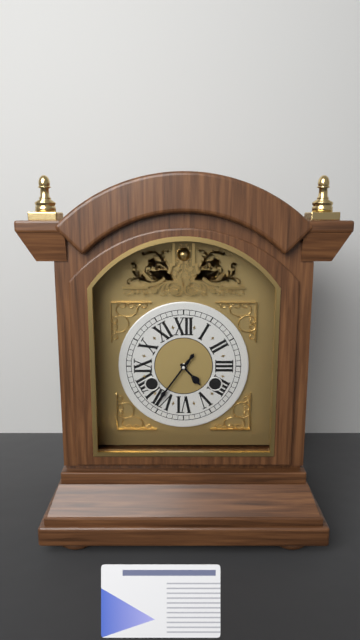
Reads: h=4 m=36
